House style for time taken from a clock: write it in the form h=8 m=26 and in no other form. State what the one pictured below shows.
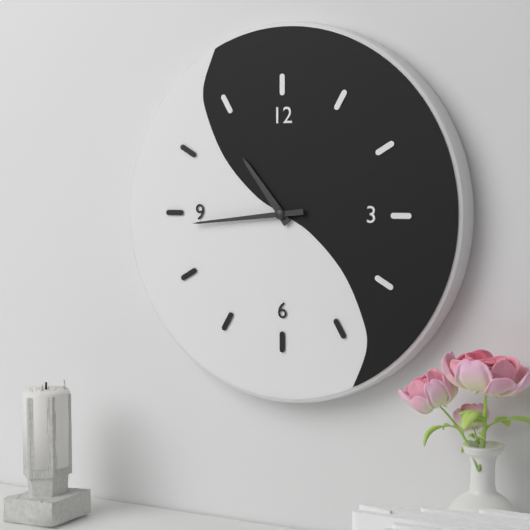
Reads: h=10 m=44
